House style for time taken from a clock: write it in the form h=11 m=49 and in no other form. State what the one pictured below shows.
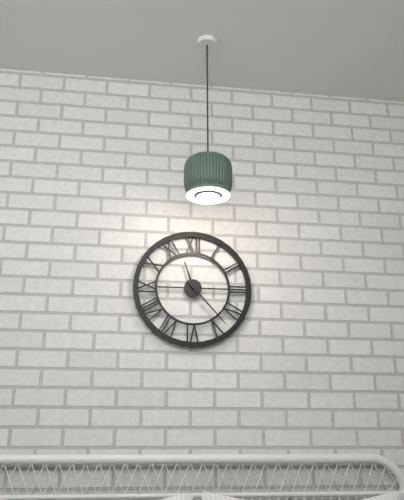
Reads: h=11 m=23
